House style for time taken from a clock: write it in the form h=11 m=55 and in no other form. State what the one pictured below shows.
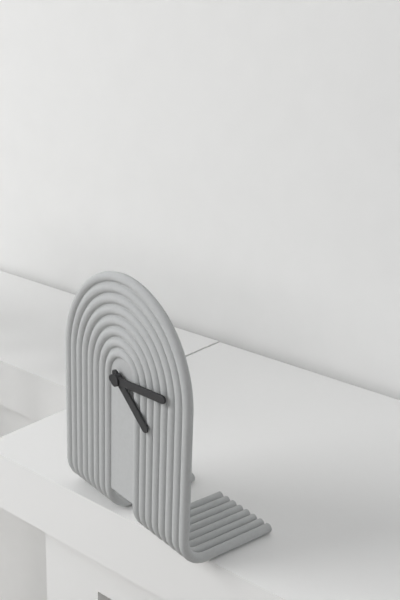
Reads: h=4 m=14
